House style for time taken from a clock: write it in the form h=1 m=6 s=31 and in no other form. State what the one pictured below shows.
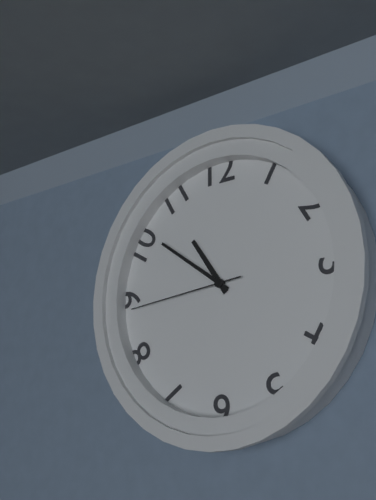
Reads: h=10 m=51 s=44
